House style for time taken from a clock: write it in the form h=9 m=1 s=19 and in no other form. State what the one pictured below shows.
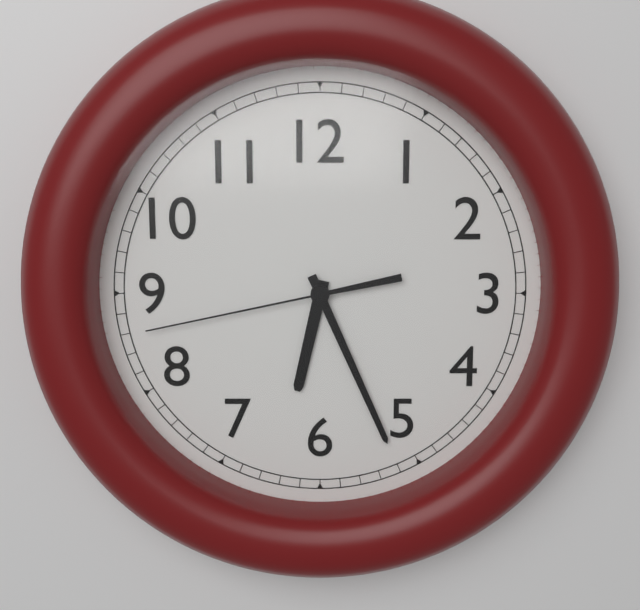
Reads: h=6 m=26 s=43
